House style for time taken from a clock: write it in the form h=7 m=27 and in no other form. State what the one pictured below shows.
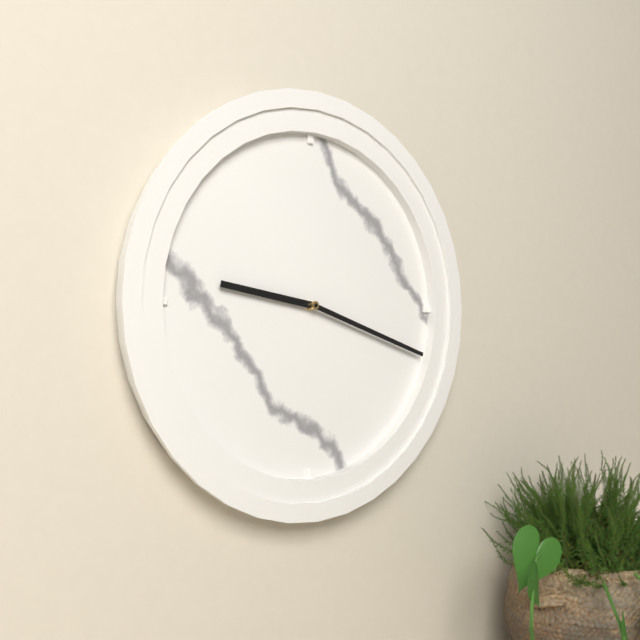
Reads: h=9 m=18
